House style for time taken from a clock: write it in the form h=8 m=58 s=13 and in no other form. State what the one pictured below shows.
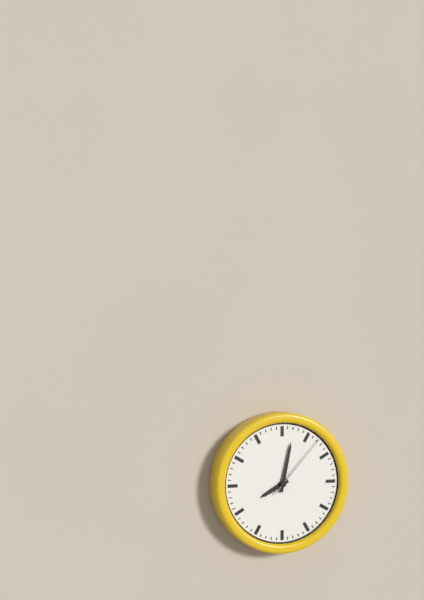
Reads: h=8 m=2 s=7
